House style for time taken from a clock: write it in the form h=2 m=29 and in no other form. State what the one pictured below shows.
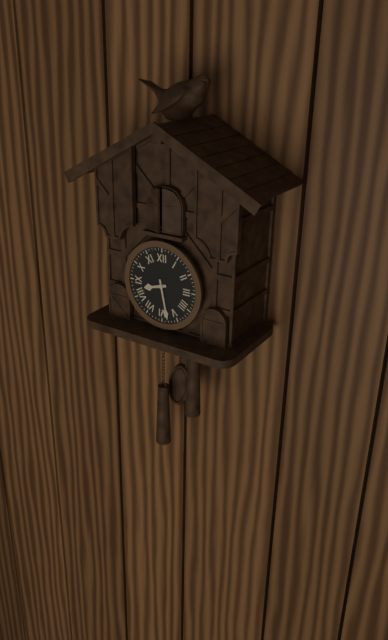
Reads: h=8 m=28
